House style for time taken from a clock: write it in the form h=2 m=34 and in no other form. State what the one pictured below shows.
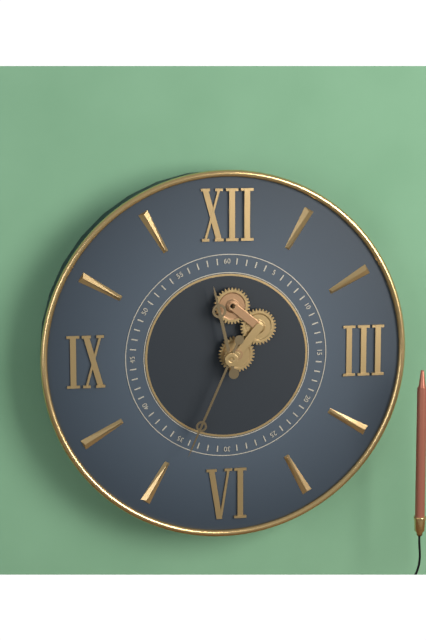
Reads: h=11 m=34
